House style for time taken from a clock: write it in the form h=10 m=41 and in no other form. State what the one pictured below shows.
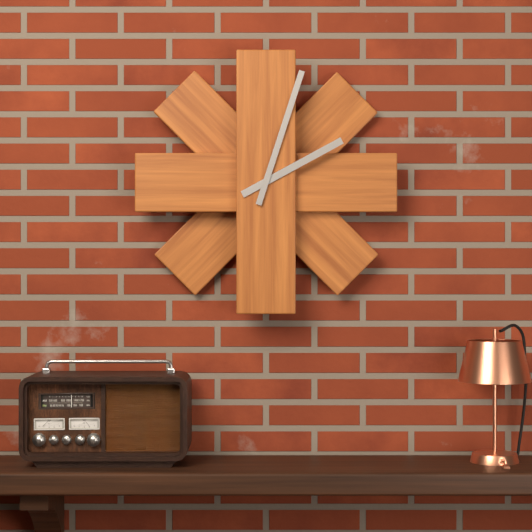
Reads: h=2 m=3
